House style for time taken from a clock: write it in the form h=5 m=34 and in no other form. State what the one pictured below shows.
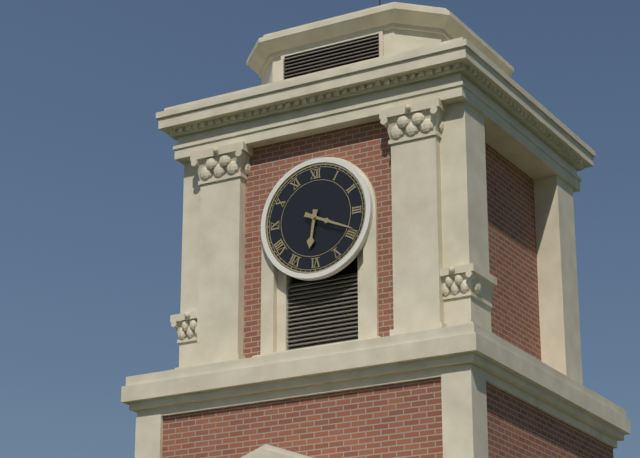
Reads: h=6 m=19
